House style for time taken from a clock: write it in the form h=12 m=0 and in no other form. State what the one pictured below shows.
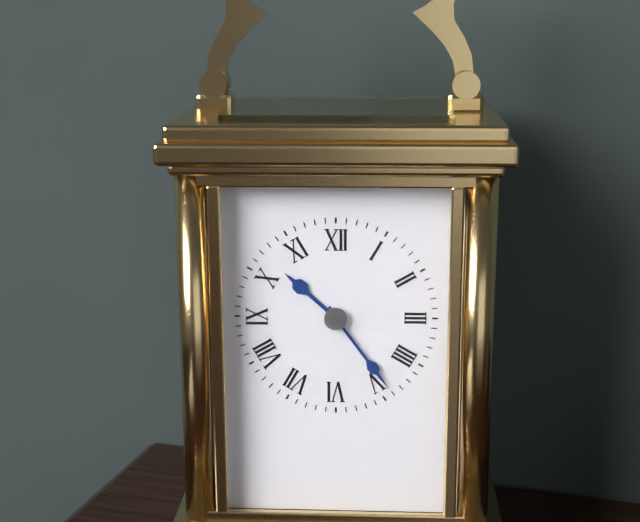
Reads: h=10 m=24
